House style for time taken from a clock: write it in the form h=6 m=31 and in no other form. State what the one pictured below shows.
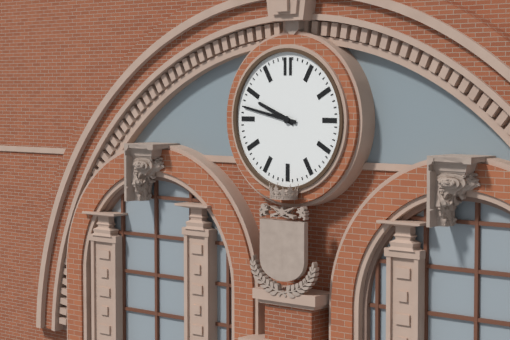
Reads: h=9 m=47
